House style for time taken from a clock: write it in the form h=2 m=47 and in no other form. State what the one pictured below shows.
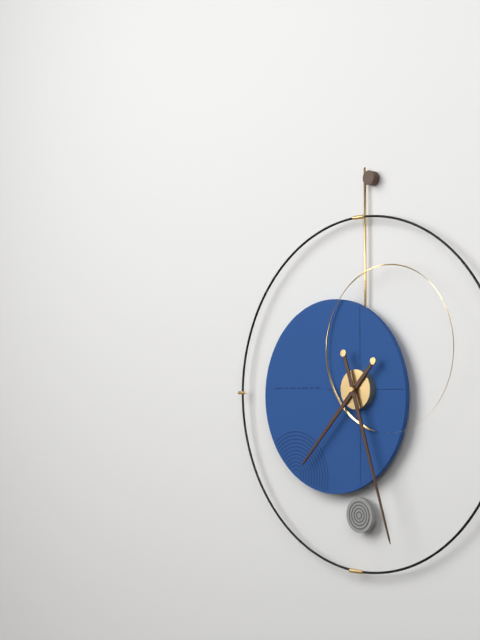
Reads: h=7 m=27
